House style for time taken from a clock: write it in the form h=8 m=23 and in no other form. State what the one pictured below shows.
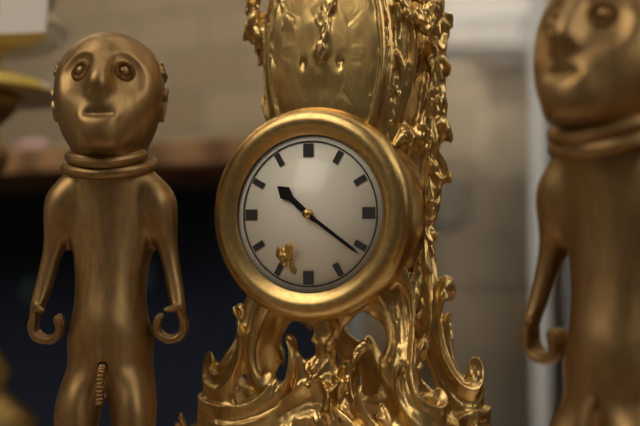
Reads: h=10 m=21
